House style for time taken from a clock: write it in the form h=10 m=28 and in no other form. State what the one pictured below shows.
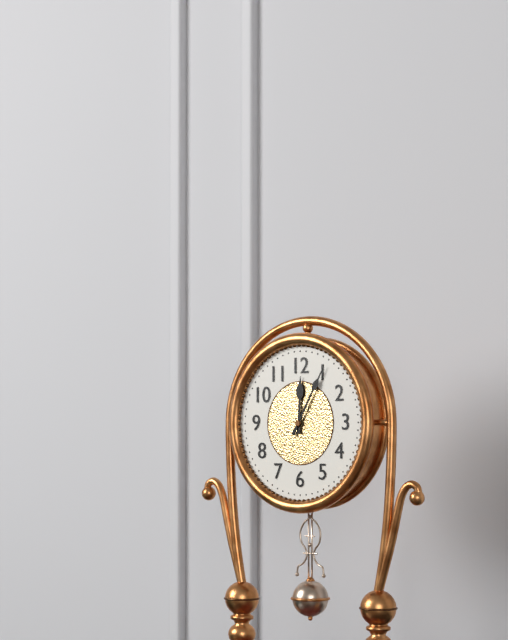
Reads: h=12 m=5
